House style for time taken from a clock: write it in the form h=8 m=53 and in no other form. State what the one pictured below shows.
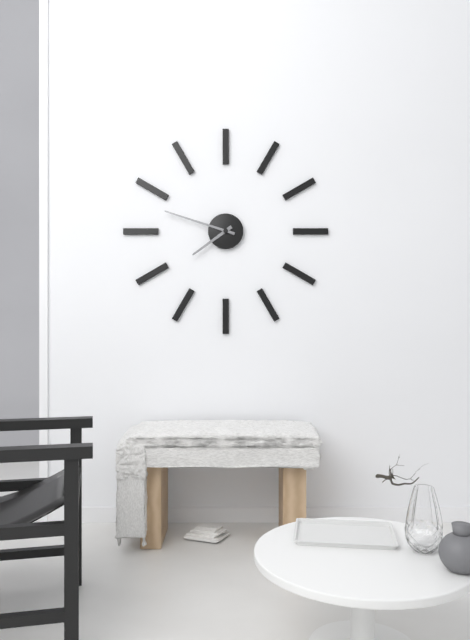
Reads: h=7 m=48
